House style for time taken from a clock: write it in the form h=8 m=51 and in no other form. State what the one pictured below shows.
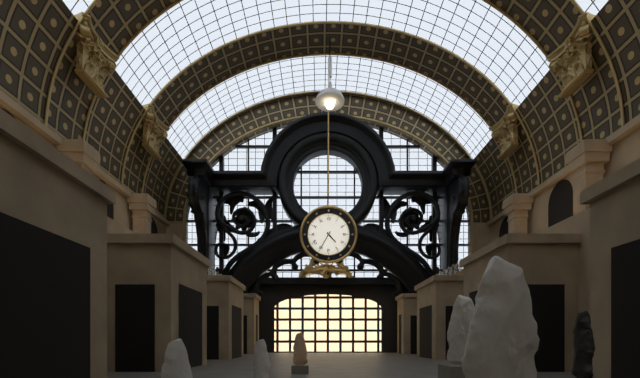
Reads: h=4 m=35
